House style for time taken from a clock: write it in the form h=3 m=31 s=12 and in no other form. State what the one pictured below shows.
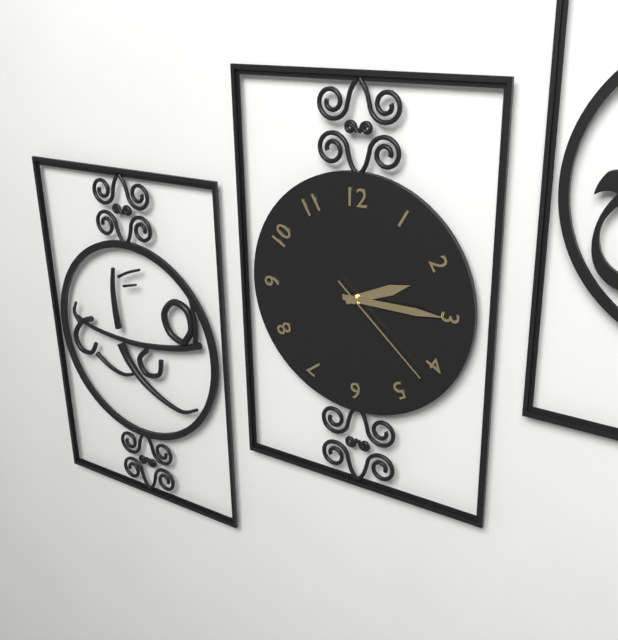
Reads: h=2 m=15 s=22
